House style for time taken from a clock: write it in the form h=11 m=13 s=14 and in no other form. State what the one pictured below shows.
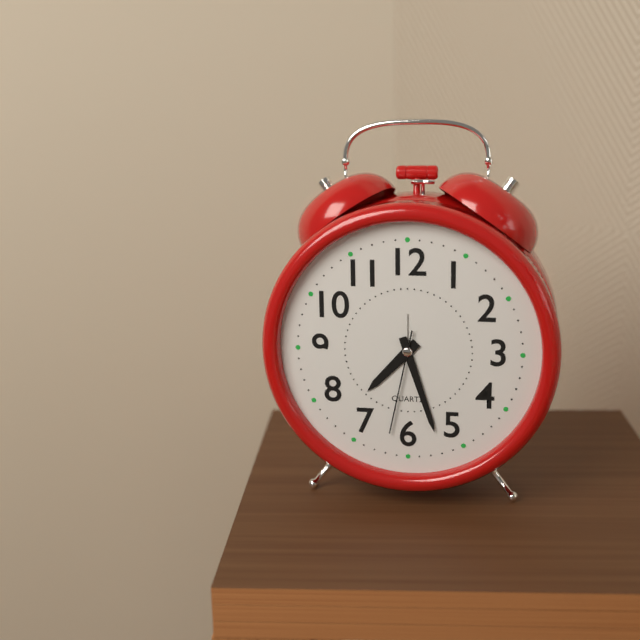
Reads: h=7 m=27 s=32
